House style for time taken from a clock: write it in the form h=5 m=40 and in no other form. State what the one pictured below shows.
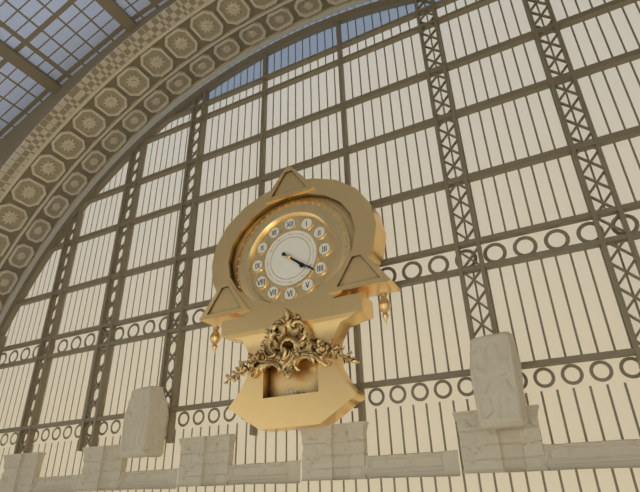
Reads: h=4 m=21
